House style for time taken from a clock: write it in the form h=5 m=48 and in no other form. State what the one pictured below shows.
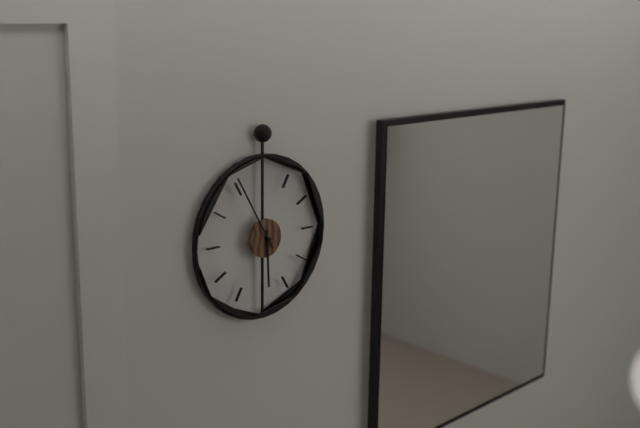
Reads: h=5 m=55
